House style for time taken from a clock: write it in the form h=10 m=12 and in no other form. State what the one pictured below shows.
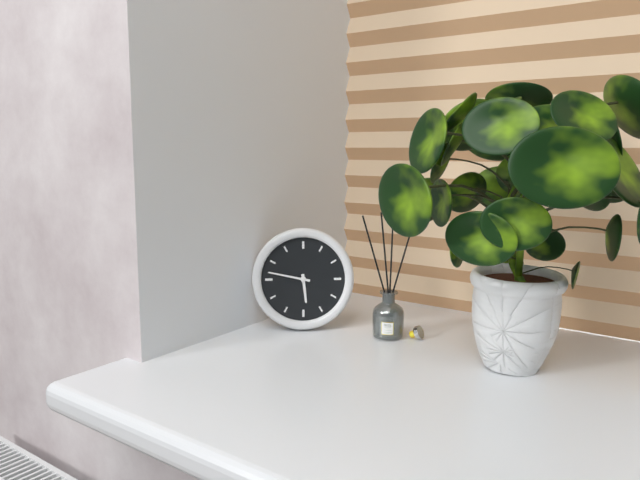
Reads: h=5 m=47
